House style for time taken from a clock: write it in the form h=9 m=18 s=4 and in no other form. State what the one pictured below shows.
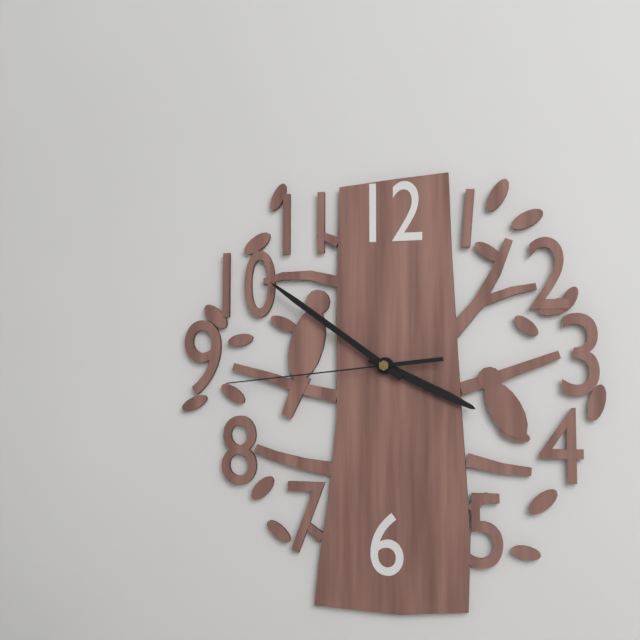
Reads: h=3 m=51 s=44
